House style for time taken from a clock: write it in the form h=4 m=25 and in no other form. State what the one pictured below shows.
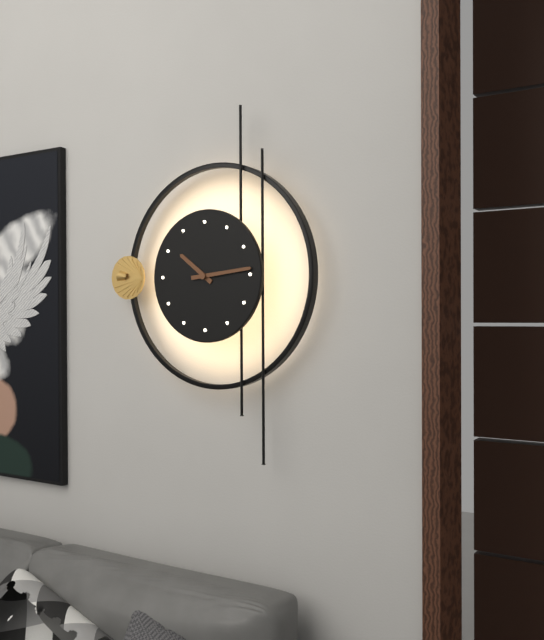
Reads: h=10 m=14
